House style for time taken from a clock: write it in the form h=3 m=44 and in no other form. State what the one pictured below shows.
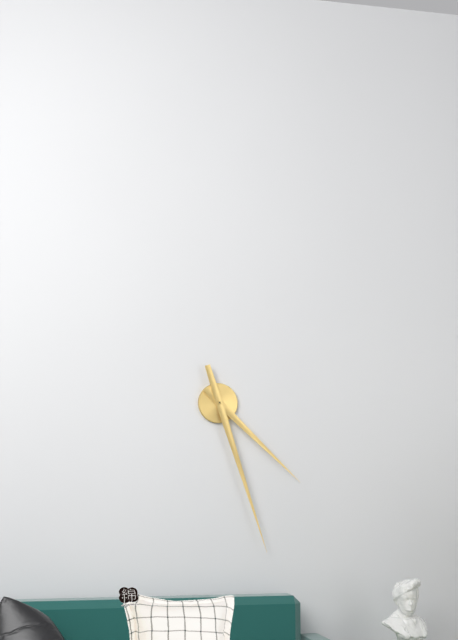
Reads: h=4 m=27
